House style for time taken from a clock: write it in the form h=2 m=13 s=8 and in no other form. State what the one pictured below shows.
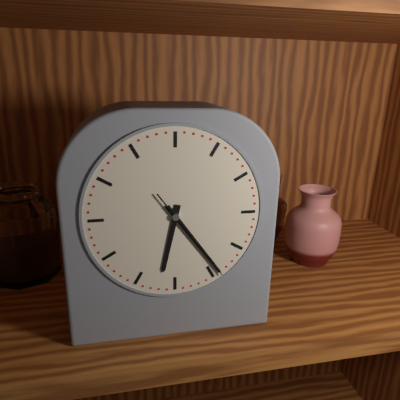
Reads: h=6 m=24 s=24
